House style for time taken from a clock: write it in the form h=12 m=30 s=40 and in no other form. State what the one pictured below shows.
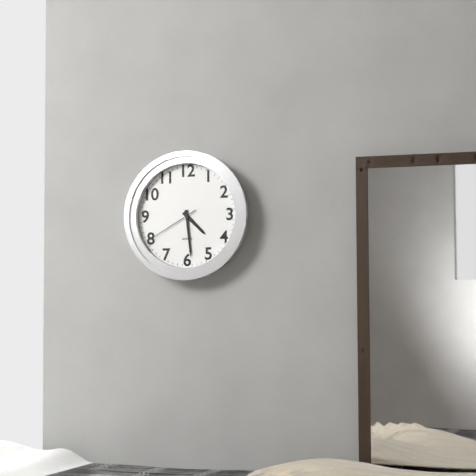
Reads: h=4 m=29 s=40
